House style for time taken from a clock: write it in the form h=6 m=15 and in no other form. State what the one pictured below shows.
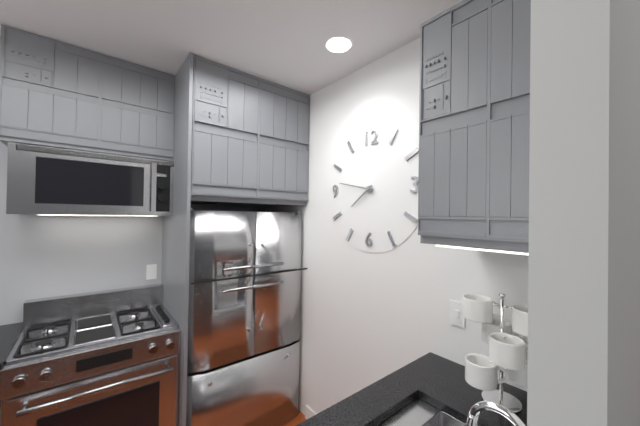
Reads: h=7 m=47
